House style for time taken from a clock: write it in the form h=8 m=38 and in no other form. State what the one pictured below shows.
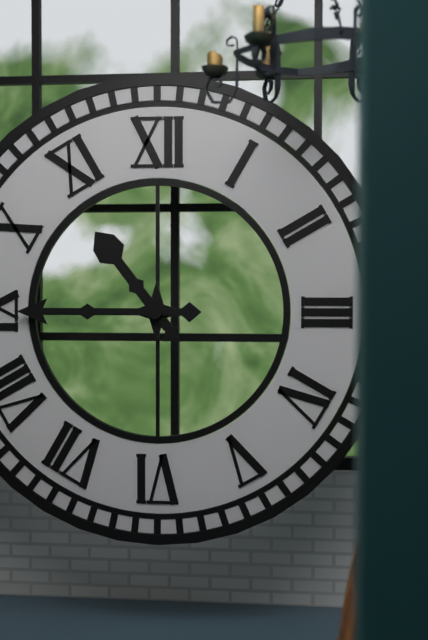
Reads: h=10 m=45
